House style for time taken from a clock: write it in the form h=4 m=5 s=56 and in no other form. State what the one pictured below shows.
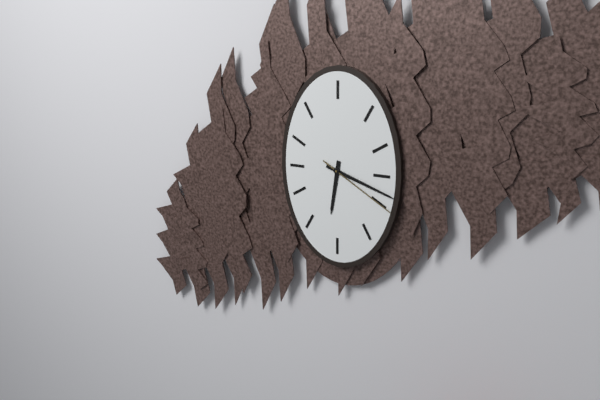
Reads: h=6 m=18 s=20
